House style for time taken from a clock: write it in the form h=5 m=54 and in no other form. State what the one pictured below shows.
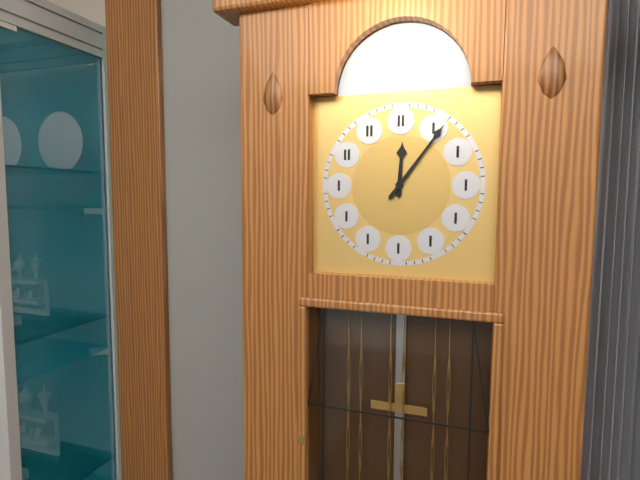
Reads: h=12 m=6
